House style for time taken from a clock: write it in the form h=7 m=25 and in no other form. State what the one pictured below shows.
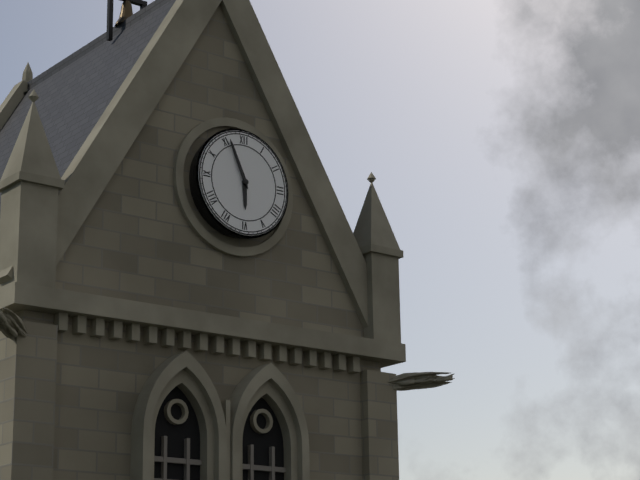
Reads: h=5 m=56
